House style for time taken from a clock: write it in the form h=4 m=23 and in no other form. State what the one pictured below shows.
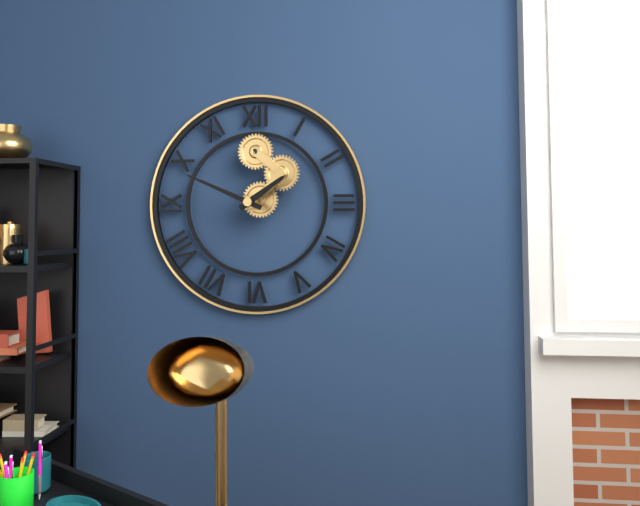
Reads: h=1 m=49
